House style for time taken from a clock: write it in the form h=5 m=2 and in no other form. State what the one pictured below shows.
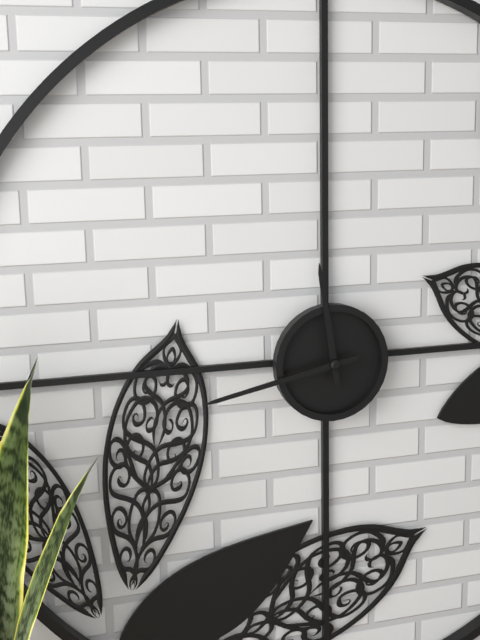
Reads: h=11 m=43
